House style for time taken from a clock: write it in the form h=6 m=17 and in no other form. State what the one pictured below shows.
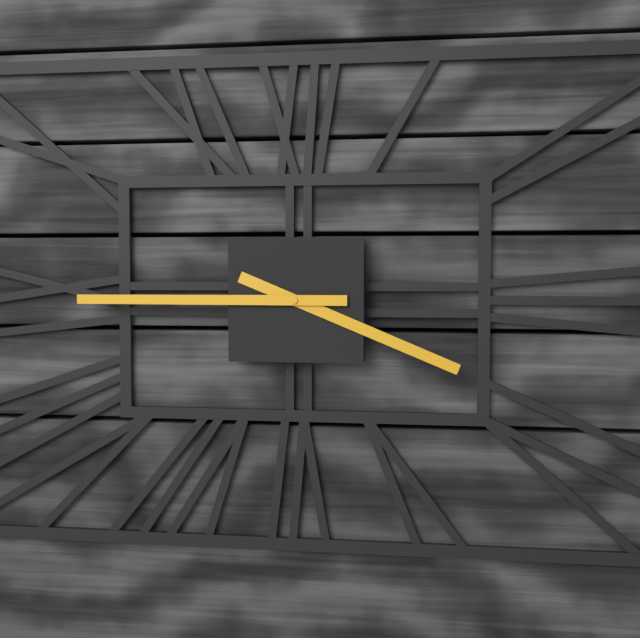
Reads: h=3 m=45
